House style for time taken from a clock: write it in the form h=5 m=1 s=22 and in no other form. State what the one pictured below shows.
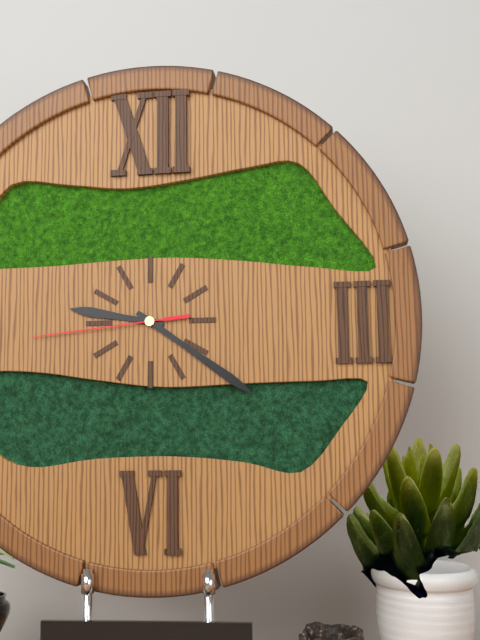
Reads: h=9 m=21 s=44
